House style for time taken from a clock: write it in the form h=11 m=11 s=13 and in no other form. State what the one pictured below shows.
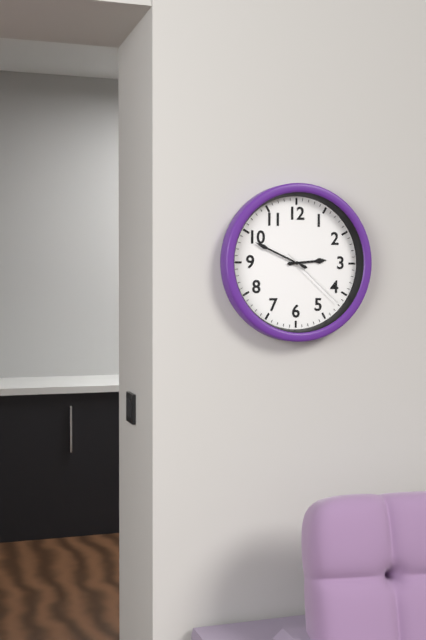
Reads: h=2 m=49 s=22
